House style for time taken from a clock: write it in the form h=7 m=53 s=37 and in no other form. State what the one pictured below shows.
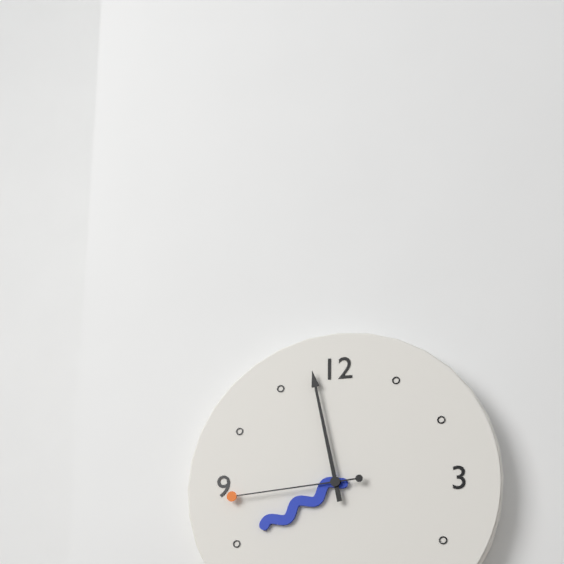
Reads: h=7 m=58 s=44
